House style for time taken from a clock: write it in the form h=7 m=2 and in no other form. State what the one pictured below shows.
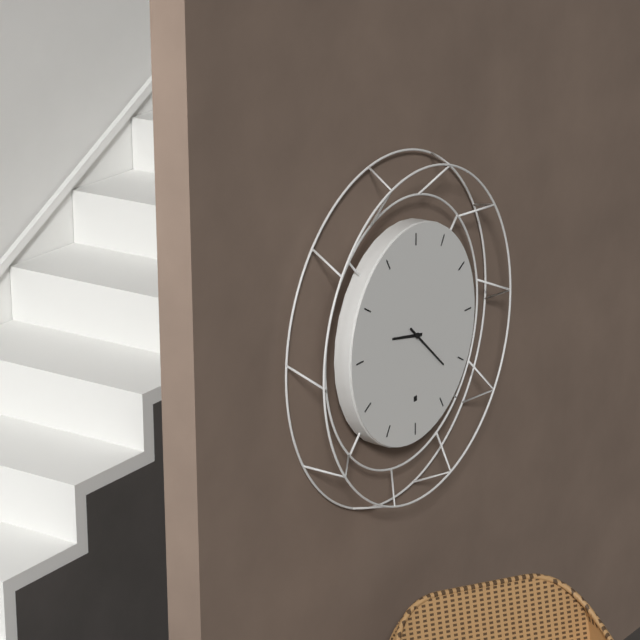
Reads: h=9 m=22
